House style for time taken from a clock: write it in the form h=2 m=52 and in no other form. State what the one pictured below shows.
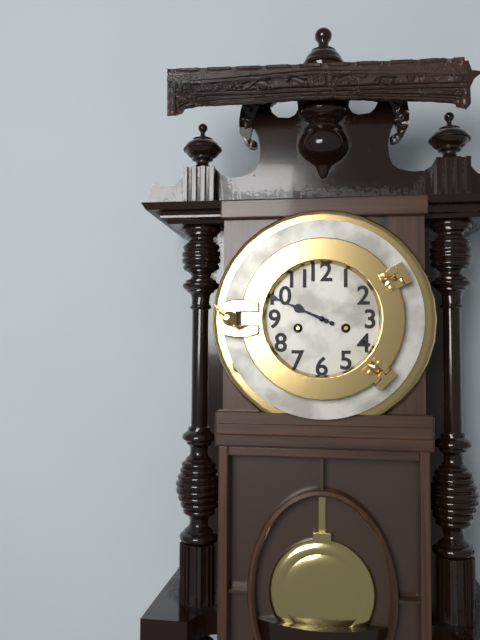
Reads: h=9 m=49
